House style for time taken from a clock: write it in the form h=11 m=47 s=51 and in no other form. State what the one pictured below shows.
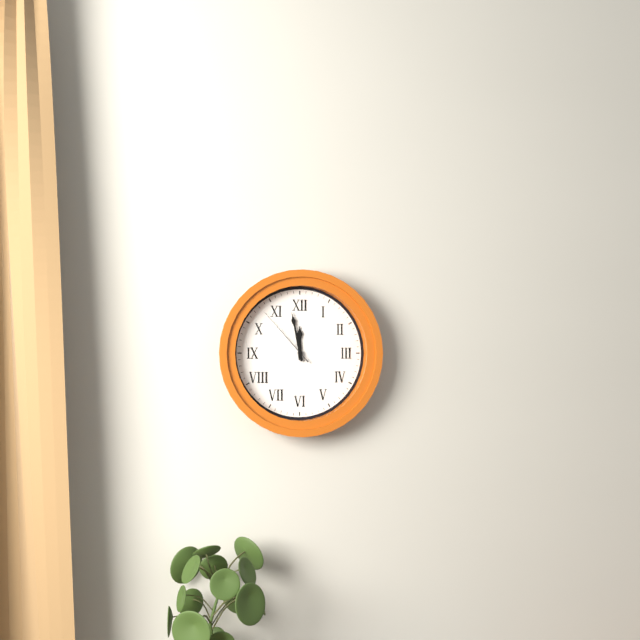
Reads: h=11 m=58 s=53
